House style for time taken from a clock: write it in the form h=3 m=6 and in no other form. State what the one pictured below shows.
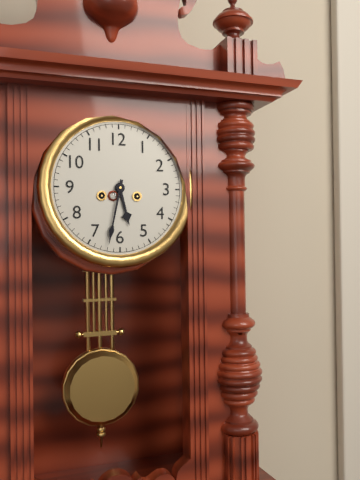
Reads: h=5 m=32
